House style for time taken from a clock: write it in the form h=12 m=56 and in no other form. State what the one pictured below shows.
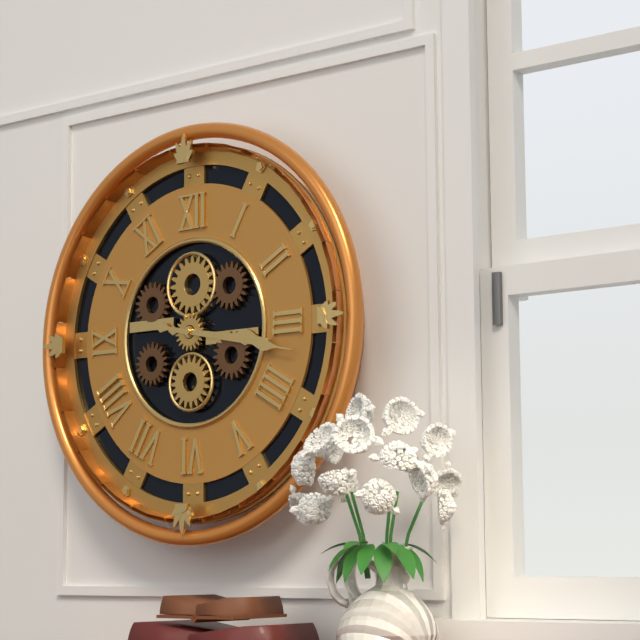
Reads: h=3 m=17
